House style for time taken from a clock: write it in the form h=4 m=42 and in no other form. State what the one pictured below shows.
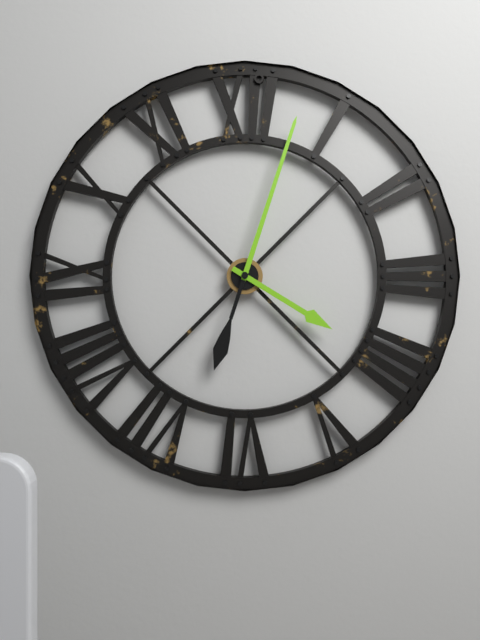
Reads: h=4 m=3
